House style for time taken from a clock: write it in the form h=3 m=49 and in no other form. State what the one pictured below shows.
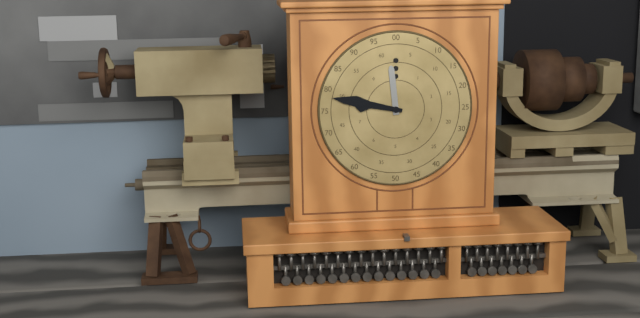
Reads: h=11 m=47
